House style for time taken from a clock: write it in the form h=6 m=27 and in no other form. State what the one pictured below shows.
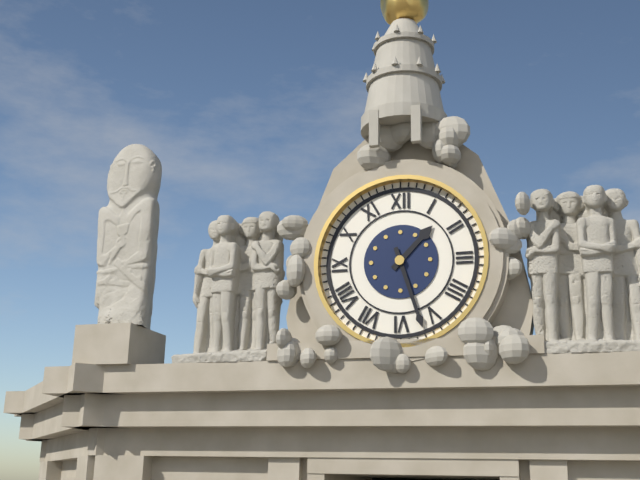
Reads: h=1 m=27
